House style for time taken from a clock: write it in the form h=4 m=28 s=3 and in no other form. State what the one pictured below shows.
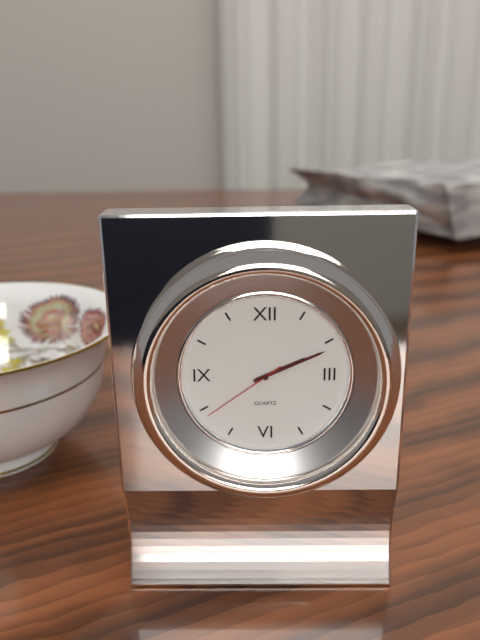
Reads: h=2 m=11 s=39
